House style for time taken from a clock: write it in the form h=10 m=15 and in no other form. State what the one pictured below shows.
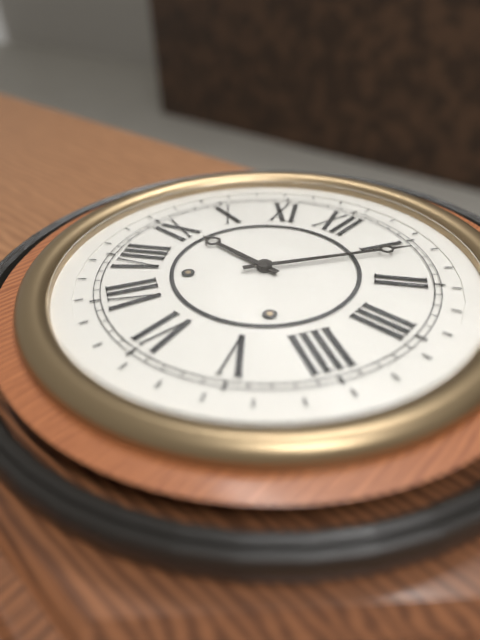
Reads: h=9 m=6
